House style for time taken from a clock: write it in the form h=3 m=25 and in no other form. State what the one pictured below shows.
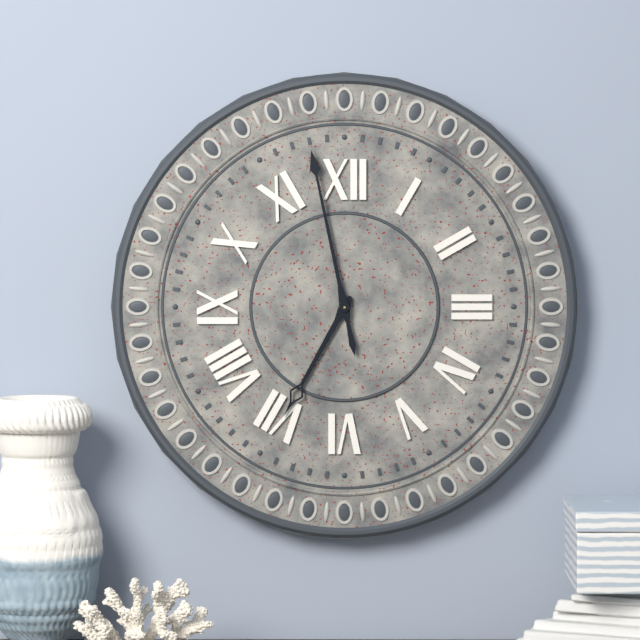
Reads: h=6 m=58
